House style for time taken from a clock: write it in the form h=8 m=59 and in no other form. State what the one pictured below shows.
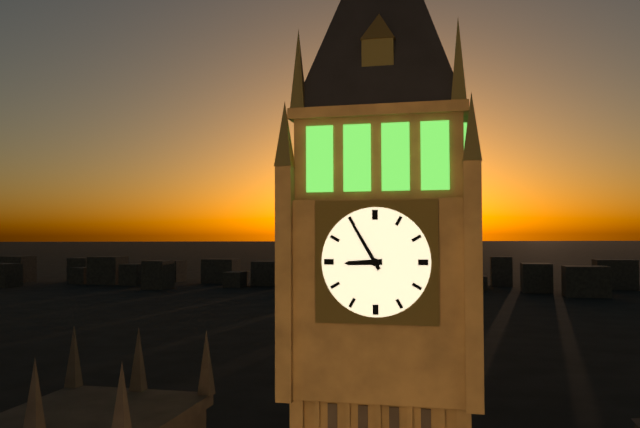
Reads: h=8 m=55
